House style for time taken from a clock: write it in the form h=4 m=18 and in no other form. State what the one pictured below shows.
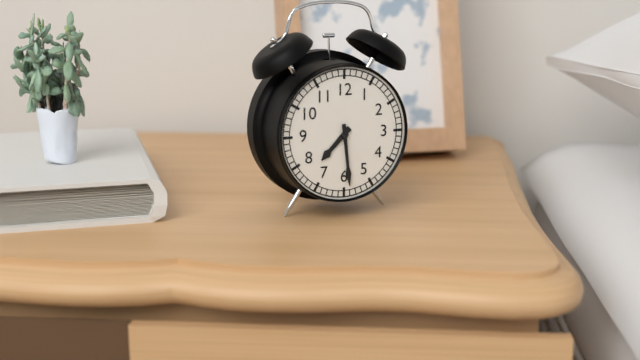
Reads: h=7 m=29
